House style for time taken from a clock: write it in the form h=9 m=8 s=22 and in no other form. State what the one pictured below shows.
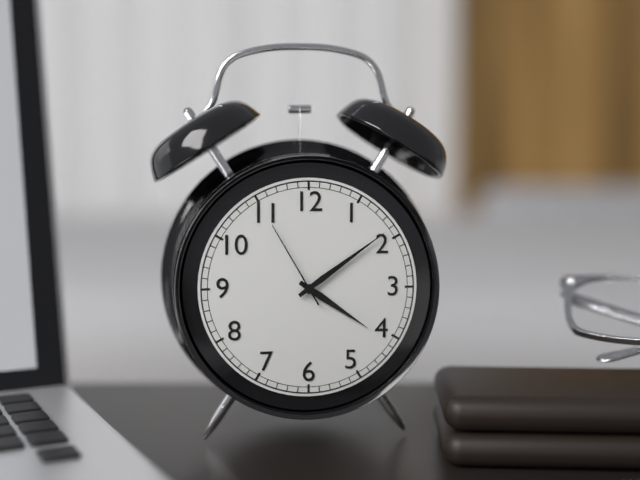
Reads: h=4 m=9 s=55
